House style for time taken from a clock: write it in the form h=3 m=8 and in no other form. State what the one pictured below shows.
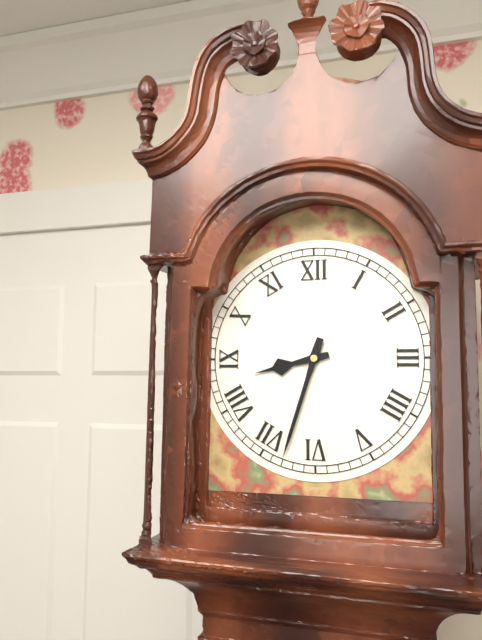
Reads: h=8 m=33
